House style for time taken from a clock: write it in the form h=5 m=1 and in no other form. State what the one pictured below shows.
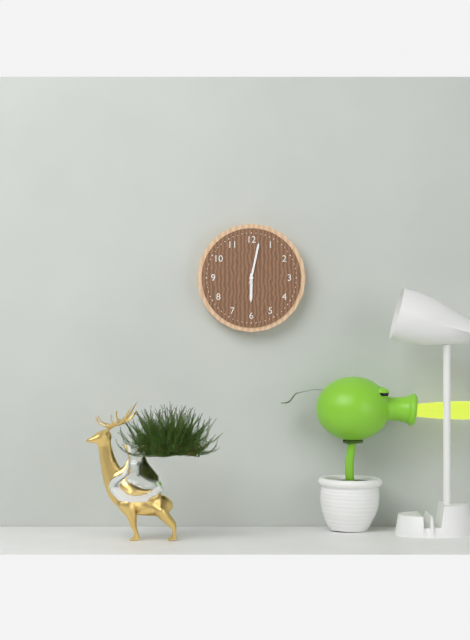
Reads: h=6 m=2
